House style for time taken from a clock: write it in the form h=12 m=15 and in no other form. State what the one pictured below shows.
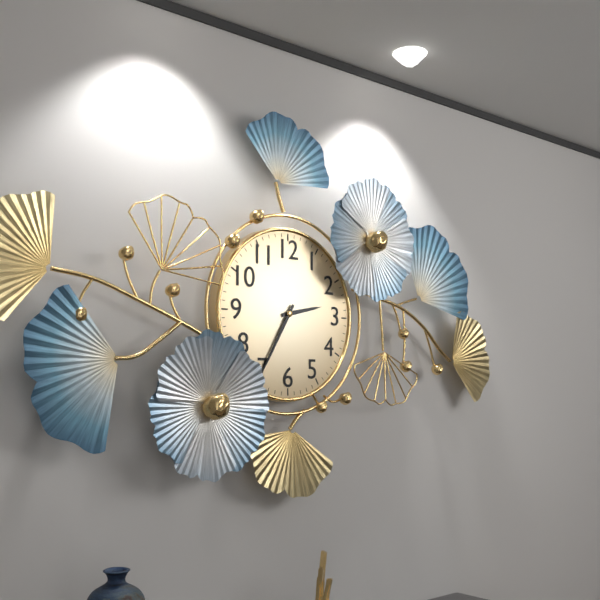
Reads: h=2 m=35
